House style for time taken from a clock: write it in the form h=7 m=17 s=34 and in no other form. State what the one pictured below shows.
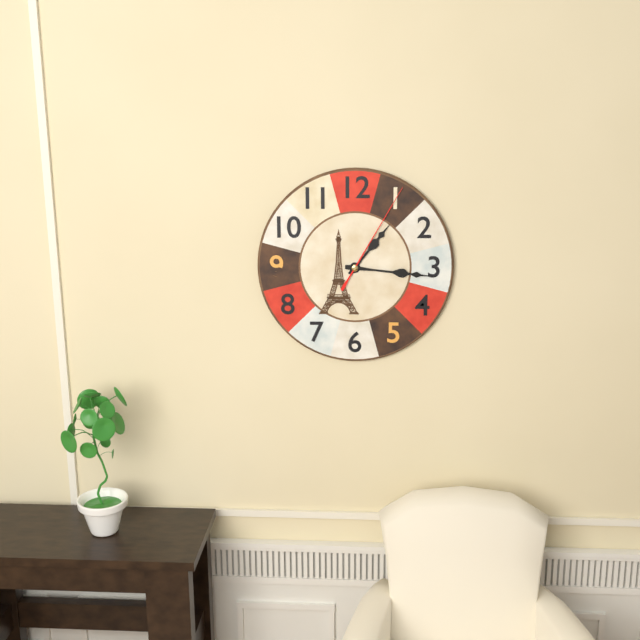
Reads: h=1 m=16 s=5
